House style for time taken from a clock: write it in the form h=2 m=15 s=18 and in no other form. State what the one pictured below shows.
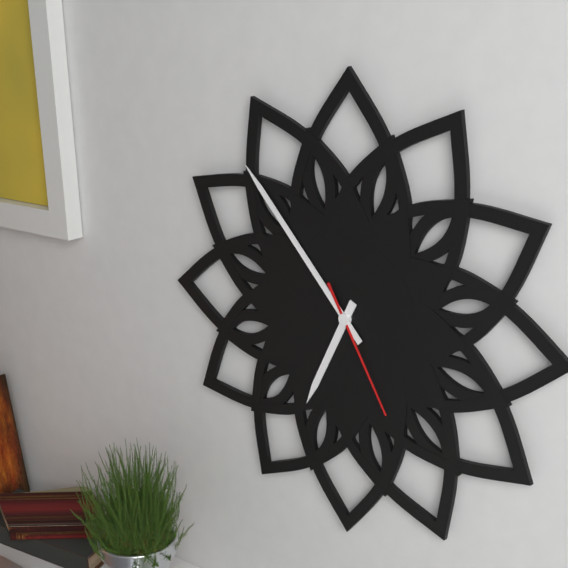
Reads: h=6 m=53 s=25
